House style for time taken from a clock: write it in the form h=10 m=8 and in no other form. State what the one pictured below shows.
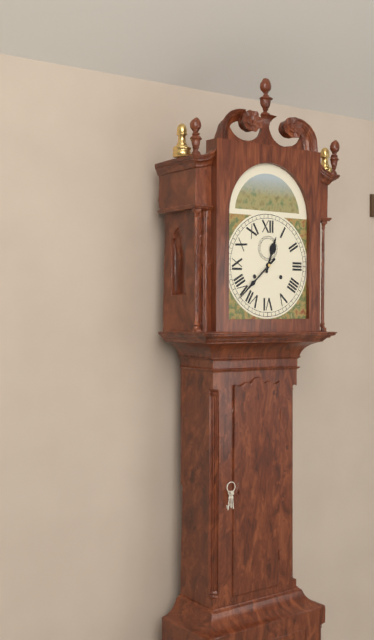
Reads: h=12 m=38
